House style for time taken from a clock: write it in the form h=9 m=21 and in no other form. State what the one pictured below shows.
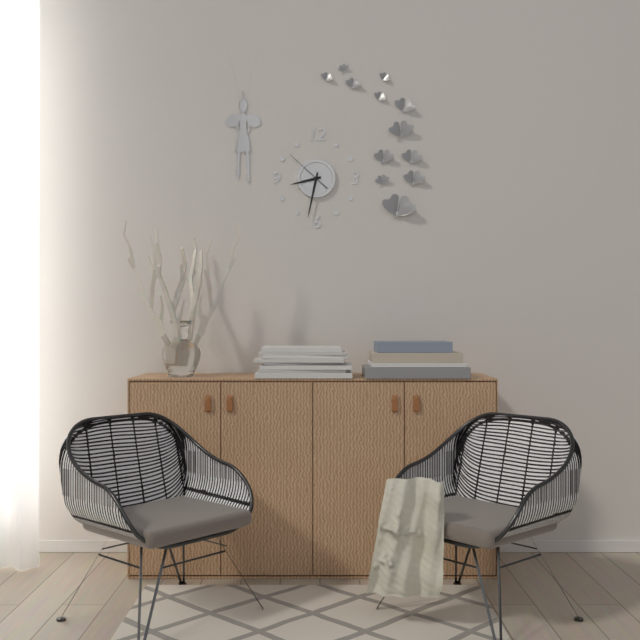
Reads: h=8 m=32
